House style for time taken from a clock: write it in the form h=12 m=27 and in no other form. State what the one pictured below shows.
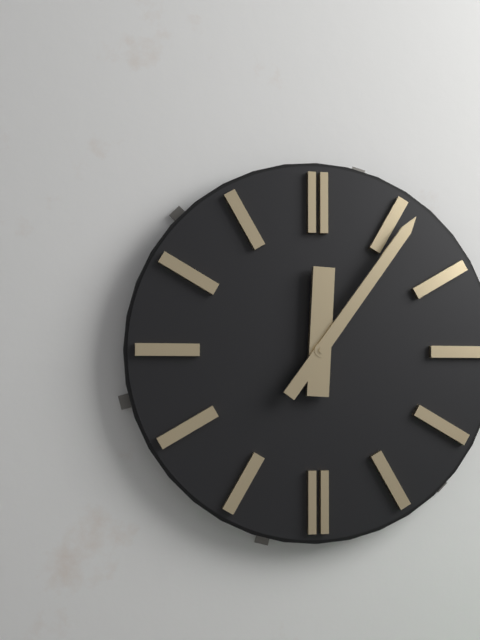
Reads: h=12 m=6
